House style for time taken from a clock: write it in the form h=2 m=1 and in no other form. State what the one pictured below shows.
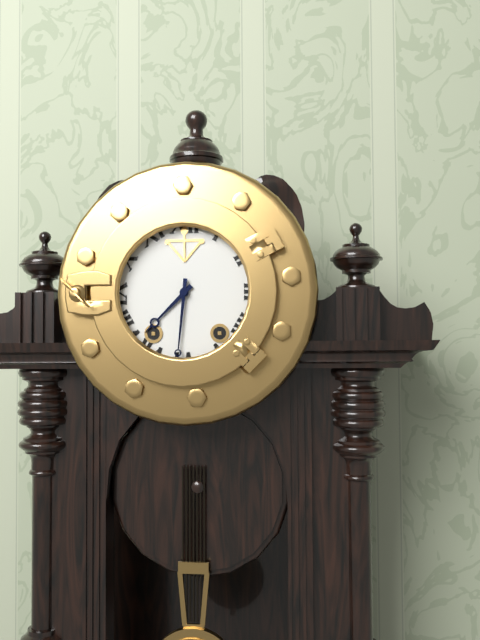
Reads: h=7 m=31
